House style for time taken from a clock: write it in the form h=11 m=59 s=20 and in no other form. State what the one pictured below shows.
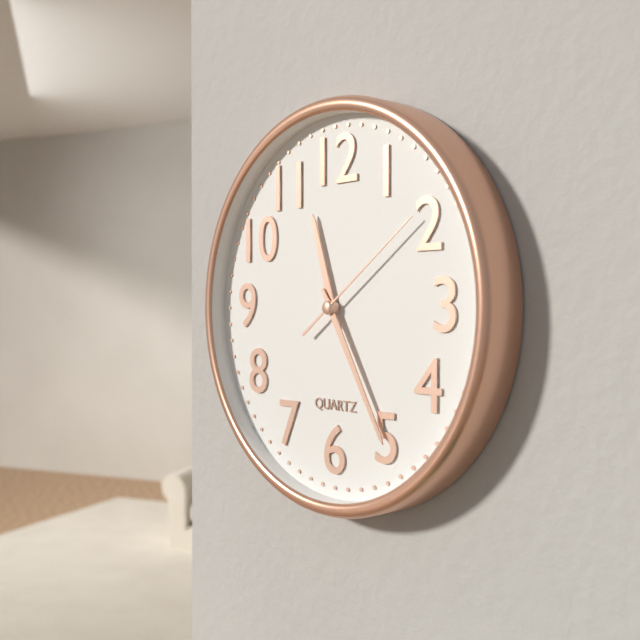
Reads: h=11 m=25 s=9
